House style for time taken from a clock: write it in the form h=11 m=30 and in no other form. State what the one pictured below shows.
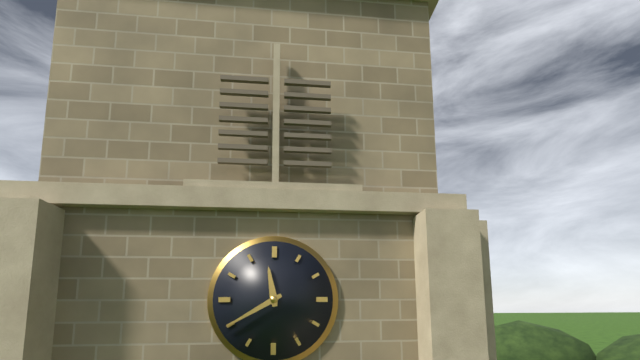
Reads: h=11 m=40
